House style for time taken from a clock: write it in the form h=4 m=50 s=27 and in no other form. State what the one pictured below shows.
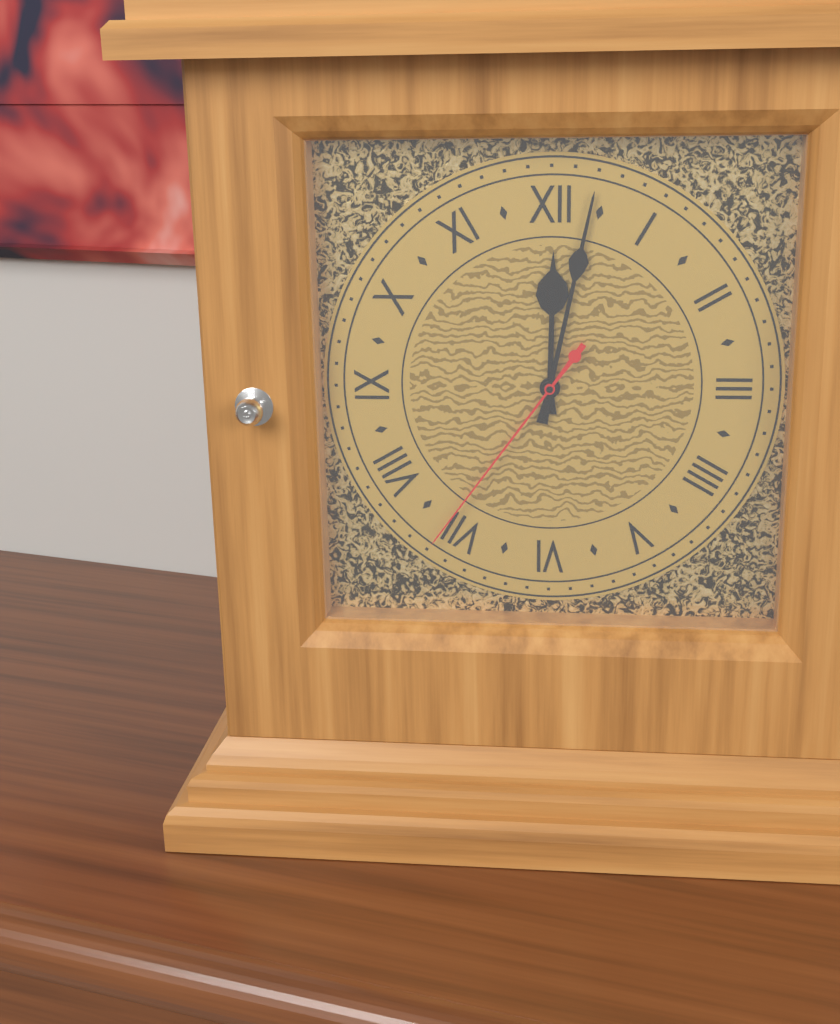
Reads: h=12 m=2 s=36
